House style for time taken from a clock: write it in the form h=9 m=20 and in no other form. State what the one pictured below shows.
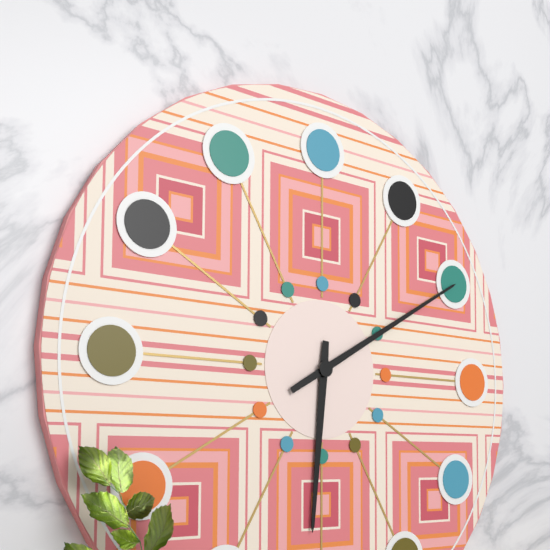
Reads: h=6 m=10
